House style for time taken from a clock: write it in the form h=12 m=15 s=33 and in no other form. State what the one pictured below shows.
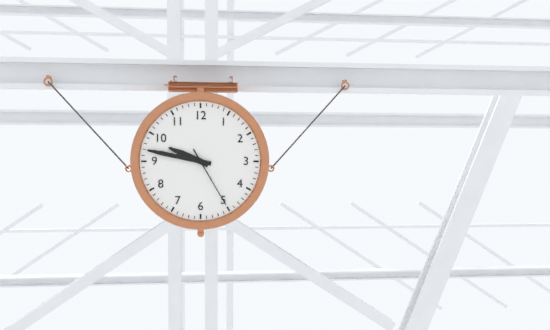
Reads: h=9 m=47 s=25
